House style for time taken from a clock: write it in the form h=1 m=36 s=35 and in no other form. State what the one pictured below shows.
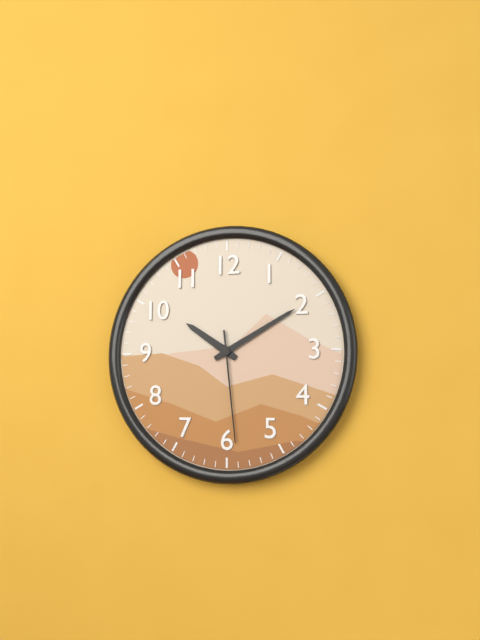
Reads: h=10 m=10 s=29
